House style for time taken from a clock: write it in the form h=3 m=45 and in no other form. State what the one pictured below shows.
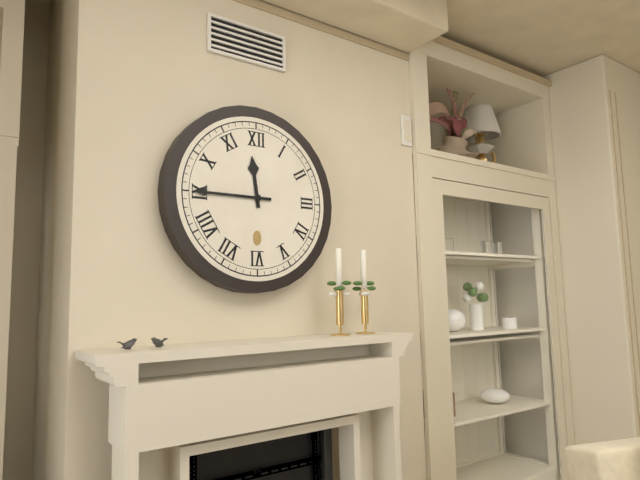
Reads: h=11 m=45
